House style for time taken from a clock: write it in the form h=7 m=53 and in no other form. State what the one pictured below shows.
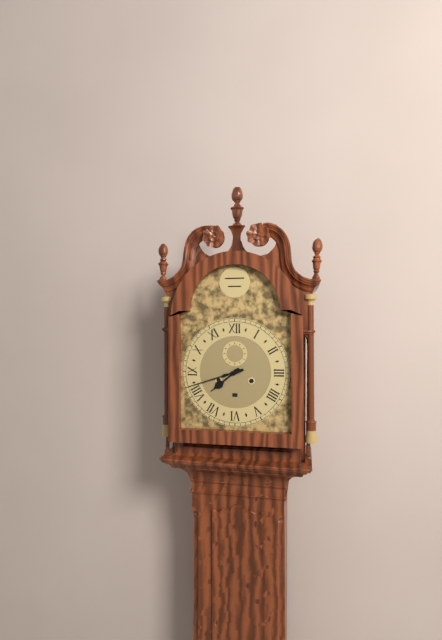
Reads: h=7 m=42
